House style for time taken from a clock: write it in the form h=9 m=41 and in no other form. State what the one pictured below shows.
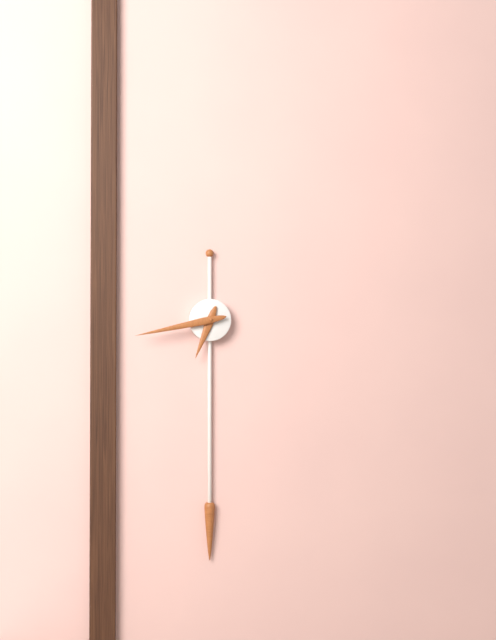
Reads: h=6 m=43
